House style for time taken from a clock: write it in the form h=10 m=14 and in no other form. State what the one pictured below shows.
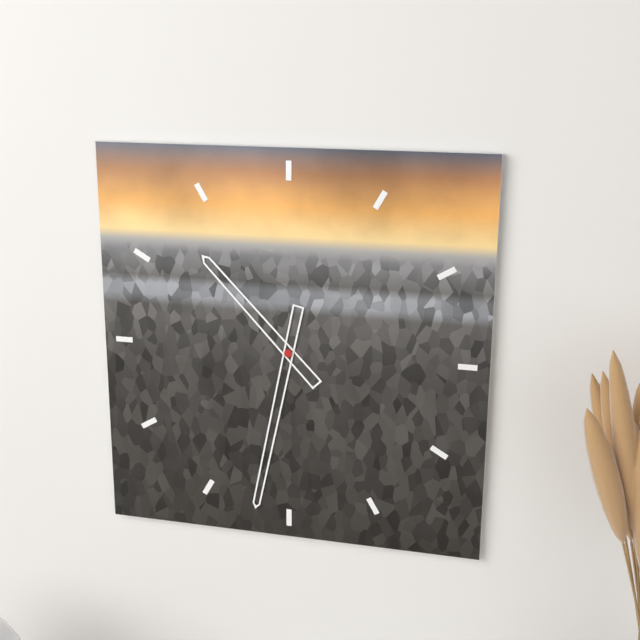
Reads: h=10 m=32
